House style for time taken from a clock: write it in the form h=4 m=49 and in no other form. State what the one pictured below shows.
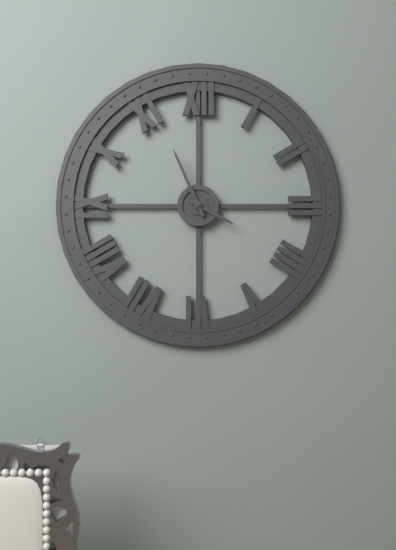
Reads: h=3 m=56
